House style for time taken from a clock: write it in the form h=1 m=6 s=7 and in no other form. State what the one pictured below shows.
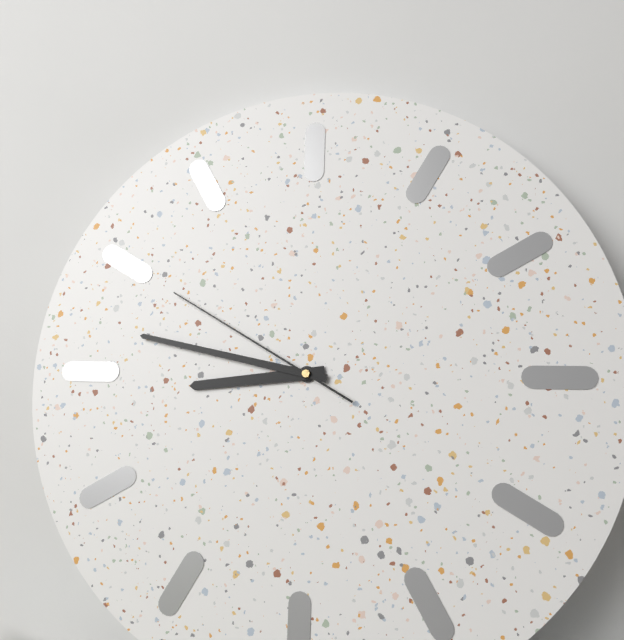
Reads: h=8 m=47 s=50
